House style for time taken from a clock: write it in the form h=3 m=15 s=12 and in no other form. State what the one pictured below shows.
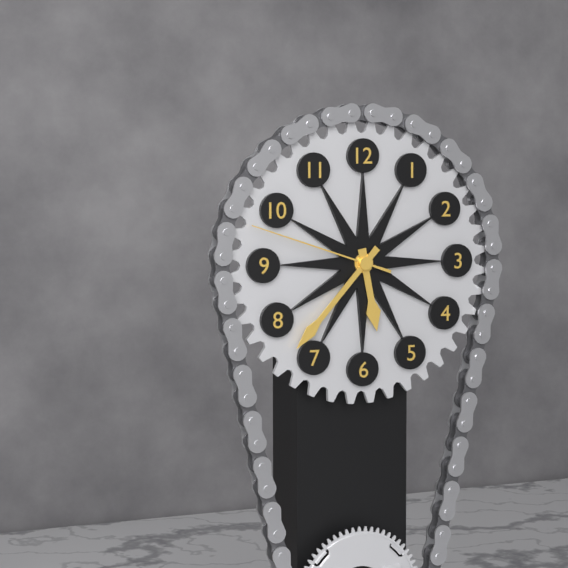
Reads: h=5 m=37 s=48
